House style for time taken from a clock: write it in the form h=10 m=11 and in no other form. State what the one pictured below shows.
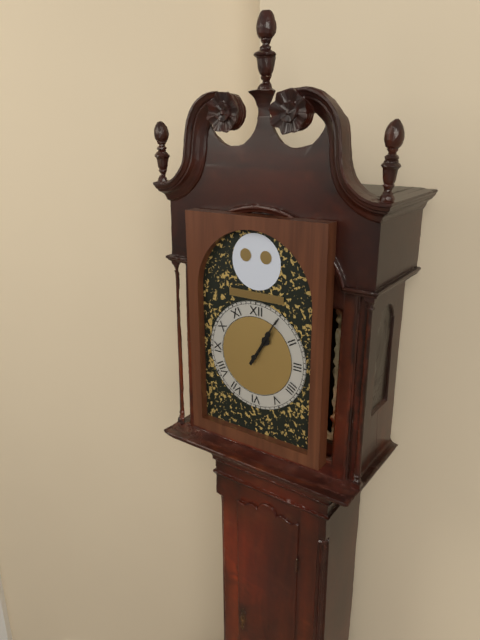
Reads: h=1 m=5
